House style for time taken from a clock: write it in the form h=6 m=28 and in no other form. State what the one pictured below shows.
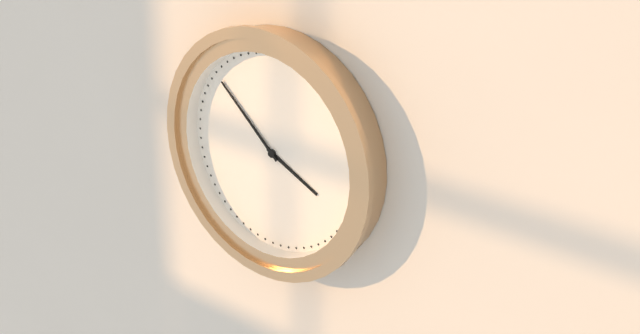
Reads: h=3 m=52
